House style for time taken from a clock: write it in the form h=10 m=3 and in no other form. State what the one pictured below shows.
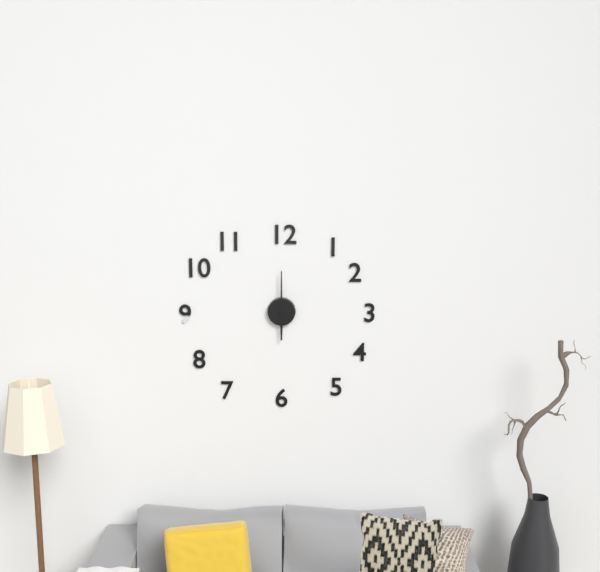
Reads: h=6 m=0
